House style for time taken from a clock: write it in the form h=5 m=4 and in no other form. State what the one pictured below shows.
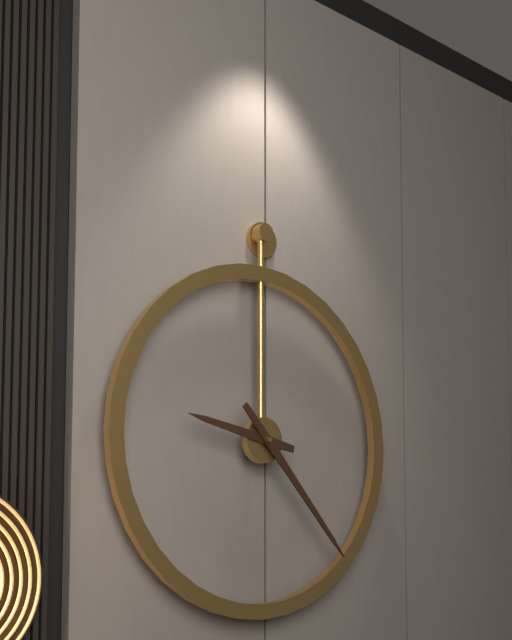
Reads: h=9 m=23
